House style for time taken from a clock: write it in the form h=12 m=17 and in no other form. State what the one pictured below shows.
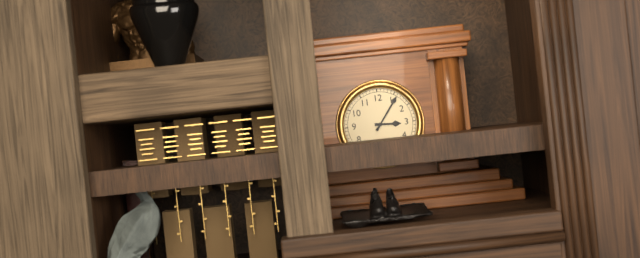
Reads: h=3 m=6
